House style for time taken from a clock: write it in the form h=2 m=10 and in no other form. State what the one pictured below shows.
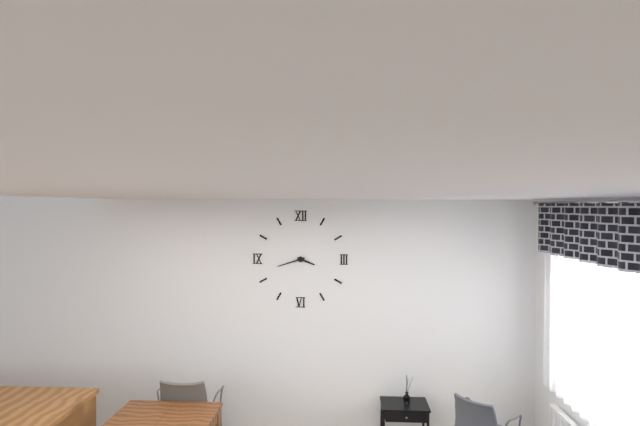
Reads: h=3 m=42
